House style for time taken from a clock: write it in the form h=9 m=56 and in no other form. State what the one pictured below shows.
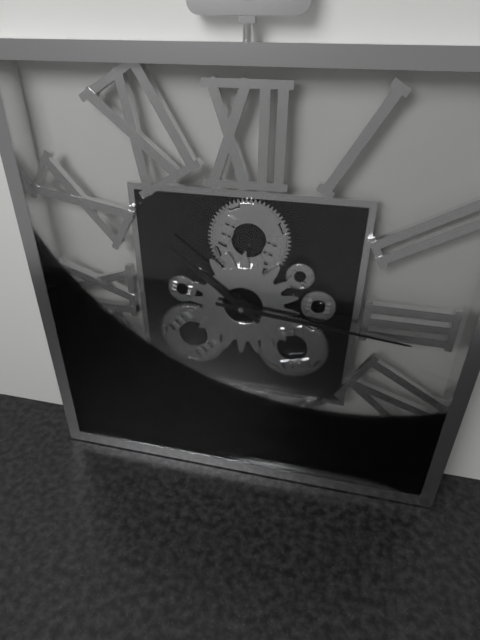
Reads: h=10 m=16
